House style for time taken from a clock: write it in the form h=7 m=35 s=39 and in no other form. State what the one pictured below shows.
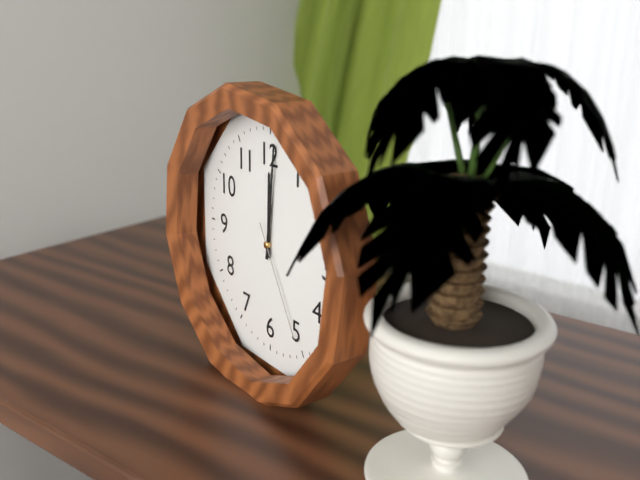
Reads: h=12 m=1 s=25
